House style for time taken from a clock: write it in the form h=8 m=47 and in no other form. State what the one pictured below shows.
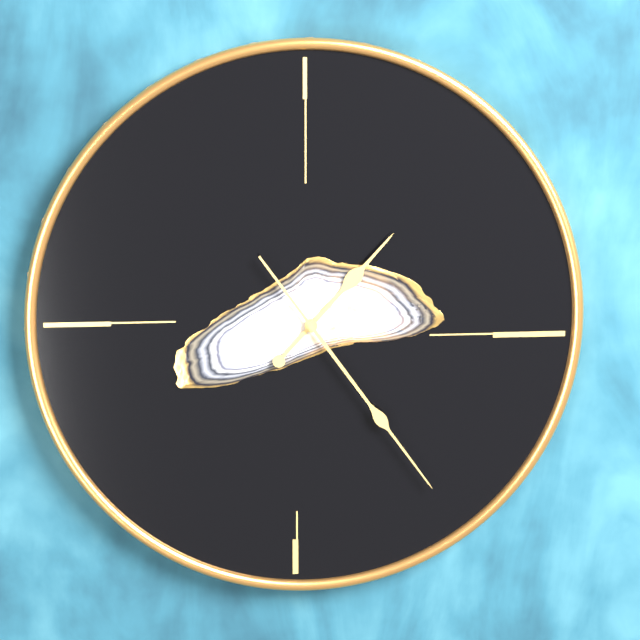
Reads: h=1 m=24
